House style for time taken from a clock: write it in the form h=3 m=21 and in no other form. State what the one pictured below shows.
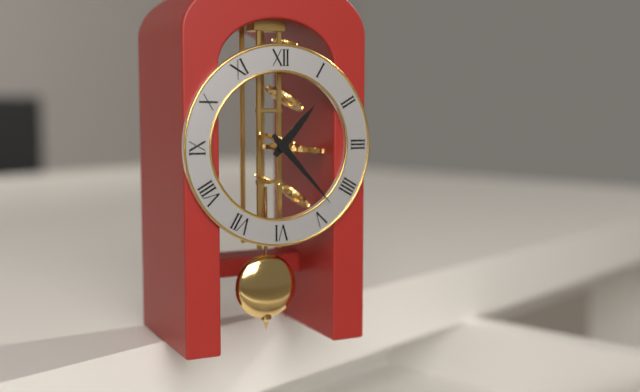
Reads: h=1 m=23
